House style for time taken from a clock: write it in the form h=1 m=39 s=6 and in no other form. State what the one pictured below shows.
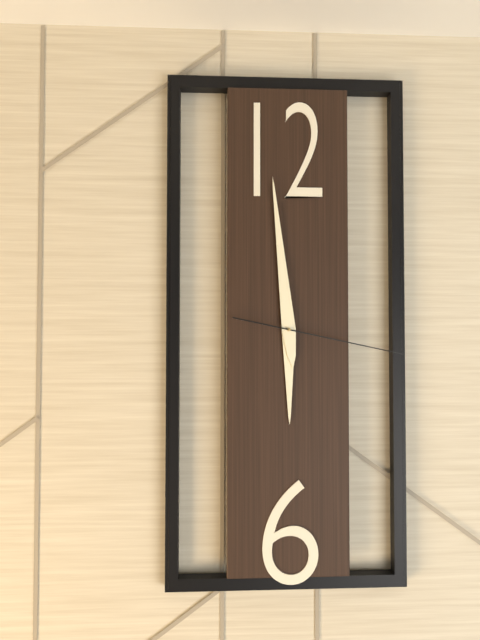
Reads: h=5 m=59 s=17
